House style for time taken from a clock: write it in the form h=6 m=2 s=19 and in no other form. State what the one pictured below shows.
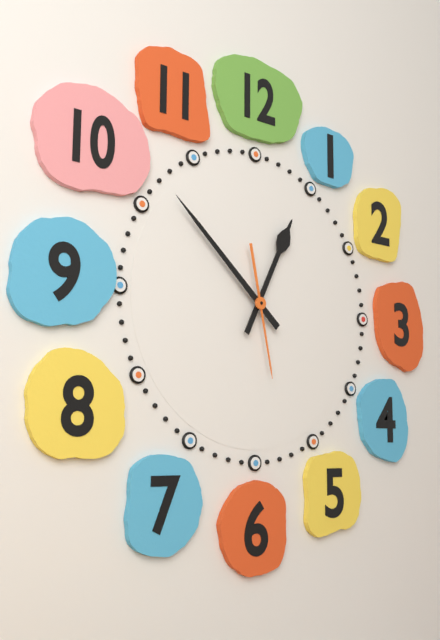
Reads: h=12 m=52 s=28
